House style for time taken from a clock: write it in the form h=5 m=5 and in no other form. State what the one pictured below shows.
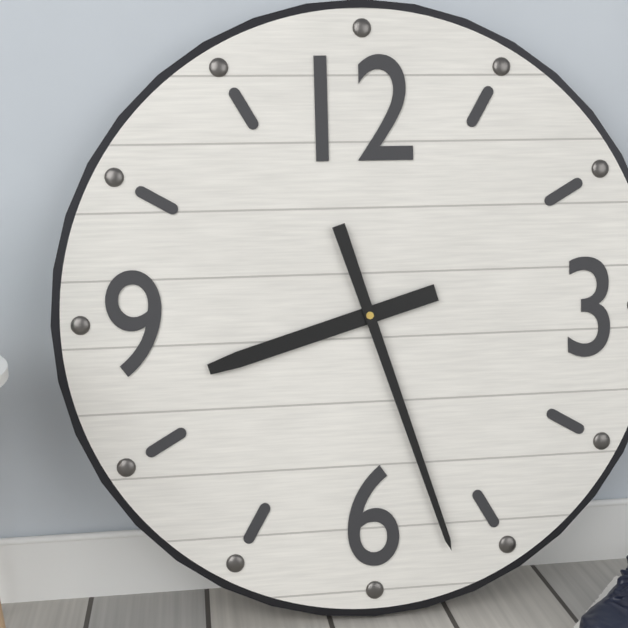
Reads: h=8 m=27
